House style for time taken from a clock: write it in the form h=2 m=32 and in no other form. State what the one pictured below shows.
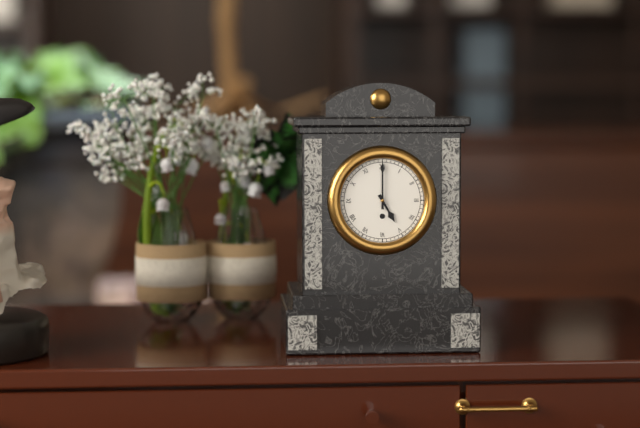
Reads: h=5 m=0
